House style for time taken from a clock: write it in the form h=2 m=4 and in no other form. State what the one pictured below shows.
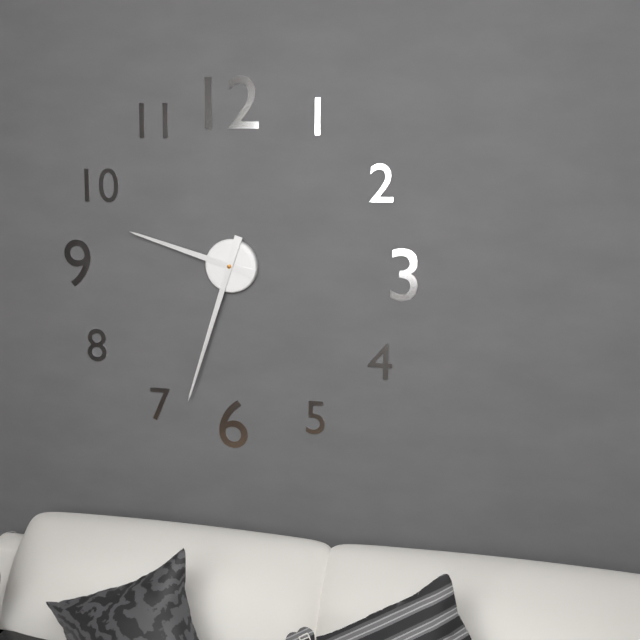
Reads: h=9 m=33
